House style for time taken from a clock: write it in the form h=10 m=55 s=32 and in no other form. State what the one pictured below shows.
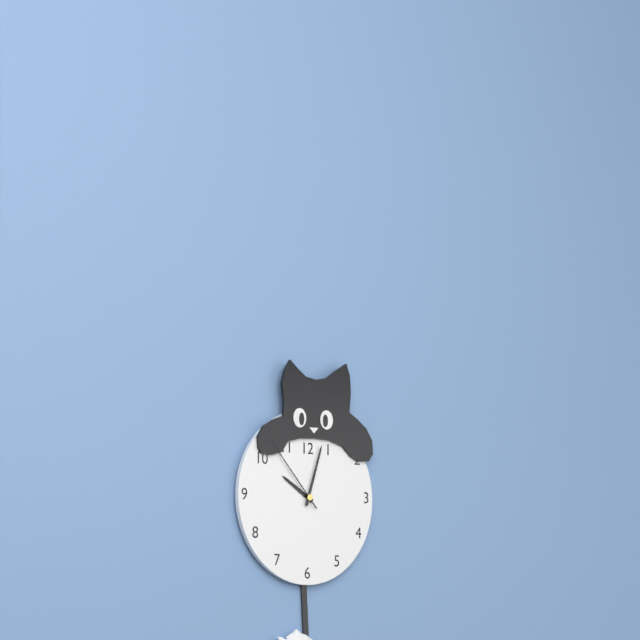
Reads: h=10 m=3 s=53
